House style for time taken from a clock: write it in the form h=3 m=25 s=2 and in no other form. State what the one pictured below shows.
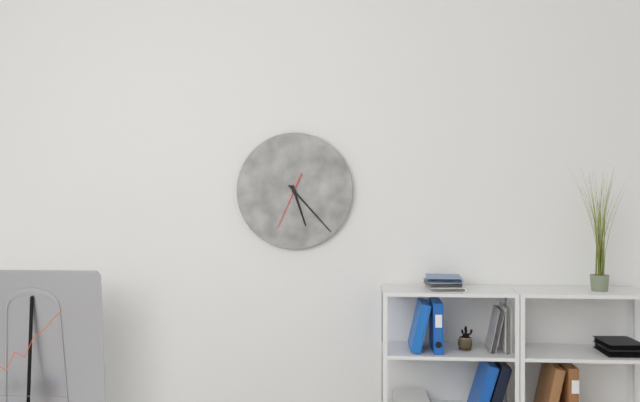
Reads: h=5 m=23 s=34
